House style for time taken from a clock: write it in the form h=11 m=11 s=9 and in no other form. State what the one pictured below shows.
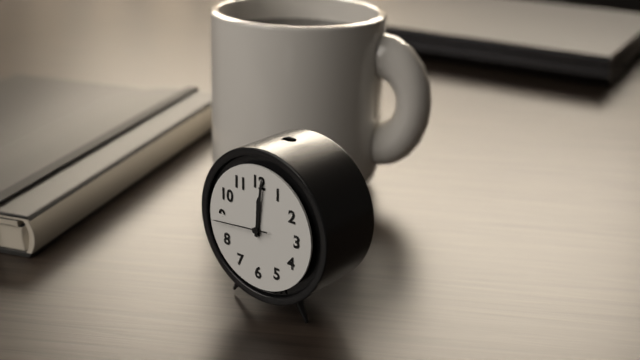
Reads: h=12 m=1 s=44
